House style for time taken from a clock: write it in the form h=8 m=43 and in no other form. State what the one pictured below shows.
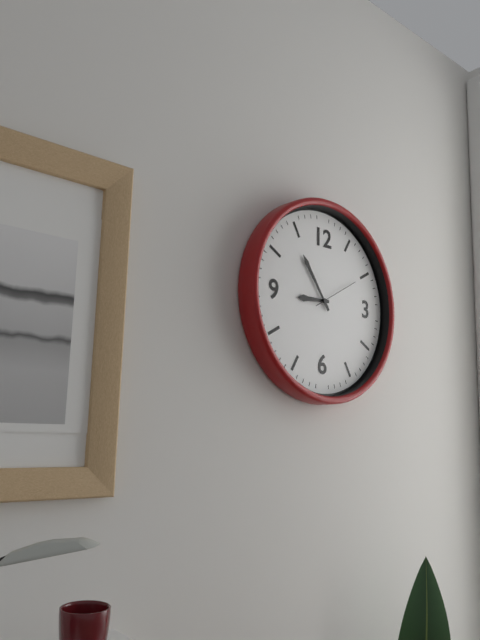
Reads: h=8 m=54
